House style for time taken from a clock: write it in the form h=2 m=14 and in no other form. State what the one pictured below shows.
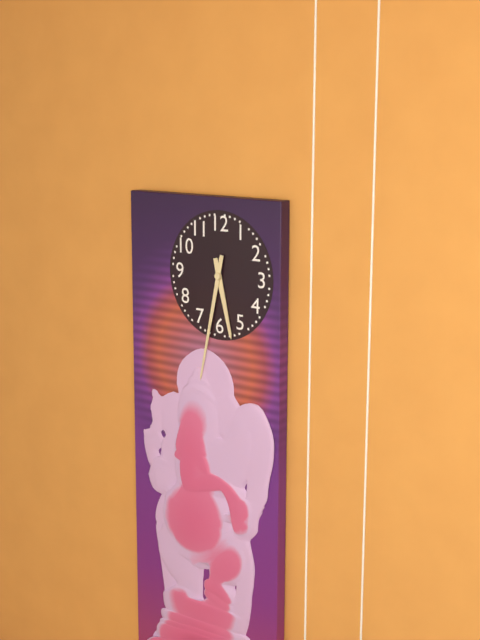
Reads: h=5 m=32
